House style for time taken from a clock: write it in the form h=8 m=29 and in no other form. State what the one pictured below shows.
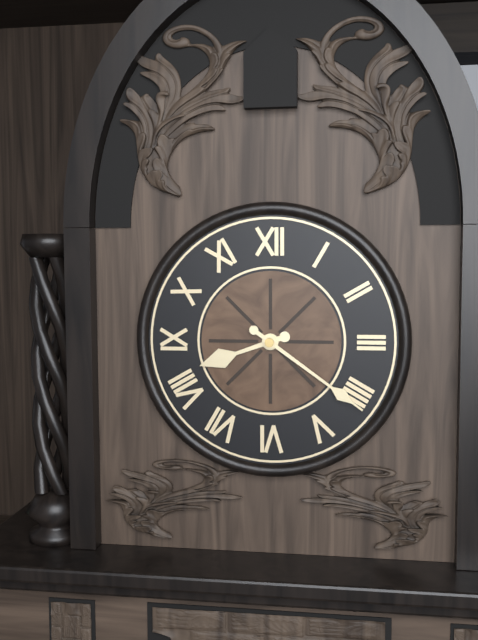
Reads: h=8 m=21
